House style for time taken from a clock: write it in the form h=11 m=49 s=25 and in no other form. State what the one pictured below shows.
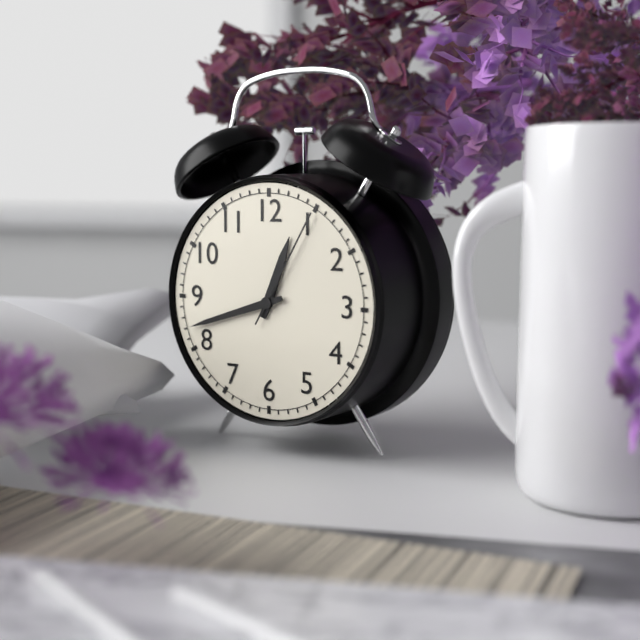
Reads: h=12 m=42 s=5
